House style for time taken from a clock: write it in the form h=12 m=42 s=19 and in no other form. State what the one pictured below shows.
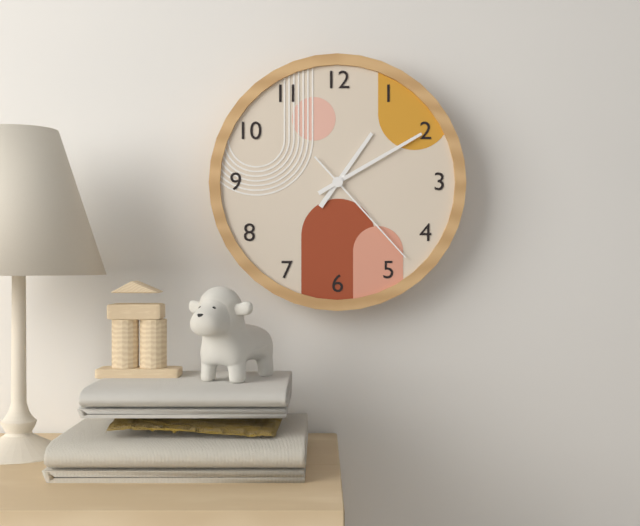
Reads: h=1 m=10 s=23
